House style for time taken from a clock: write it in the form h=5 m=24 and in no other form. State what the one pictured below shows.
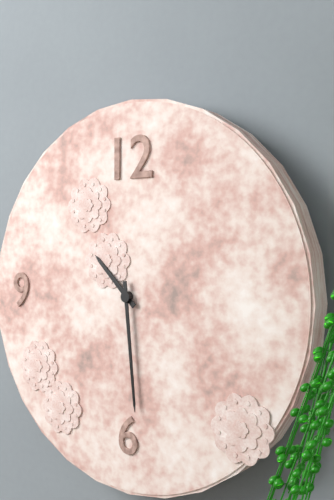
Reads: h=10 m=29
